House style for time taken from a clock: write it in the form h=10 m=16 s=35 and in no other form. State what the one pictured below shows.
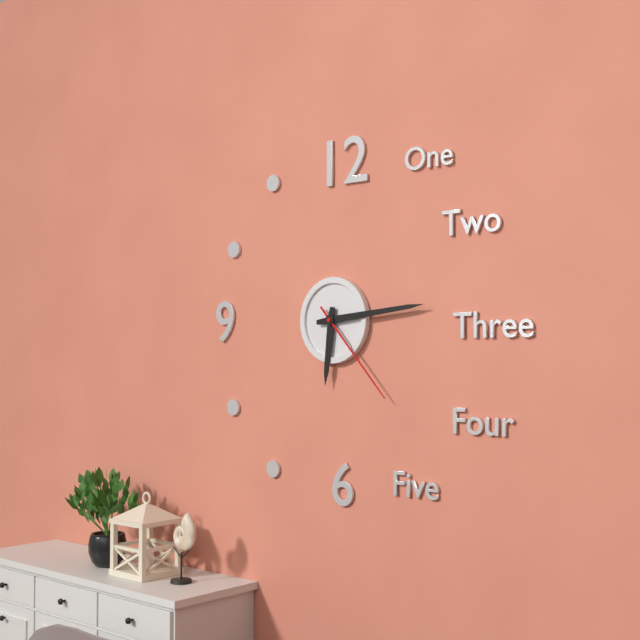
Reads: h=6 m=14 s=23
